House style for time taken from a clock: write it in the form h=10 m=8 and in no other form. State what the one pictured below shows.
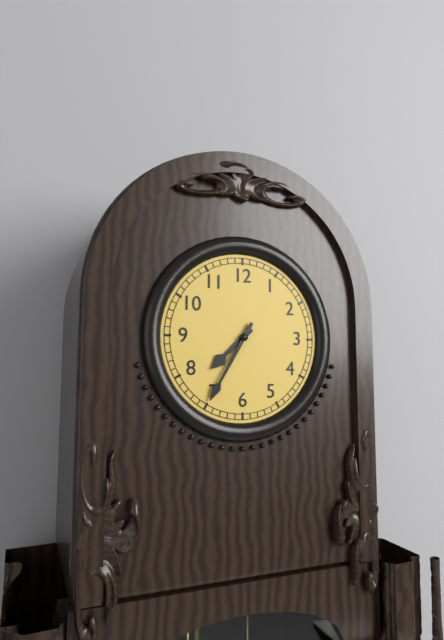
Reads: h=7 m=35
